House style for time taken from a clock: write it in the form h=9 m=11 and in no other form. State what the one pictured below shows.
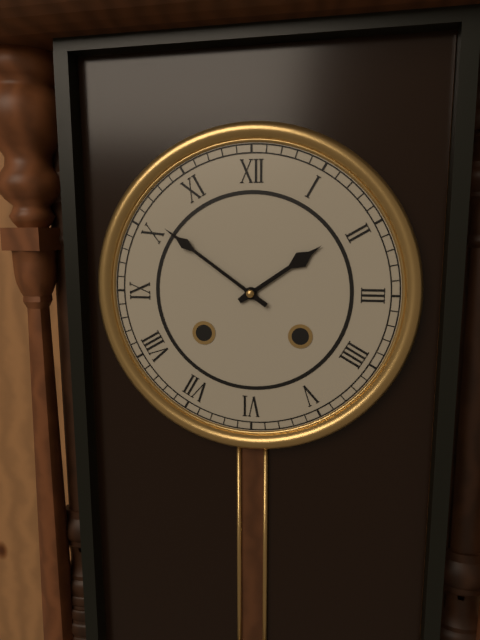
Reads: h=1 m=51
